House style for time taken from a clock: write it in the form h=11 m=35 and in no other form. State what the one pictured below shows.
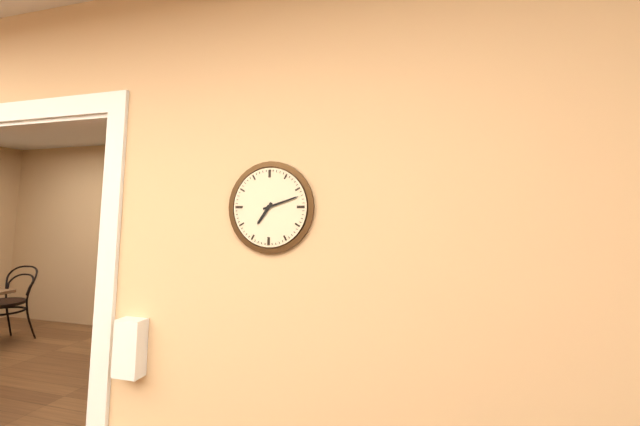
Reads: h=7 m=12
